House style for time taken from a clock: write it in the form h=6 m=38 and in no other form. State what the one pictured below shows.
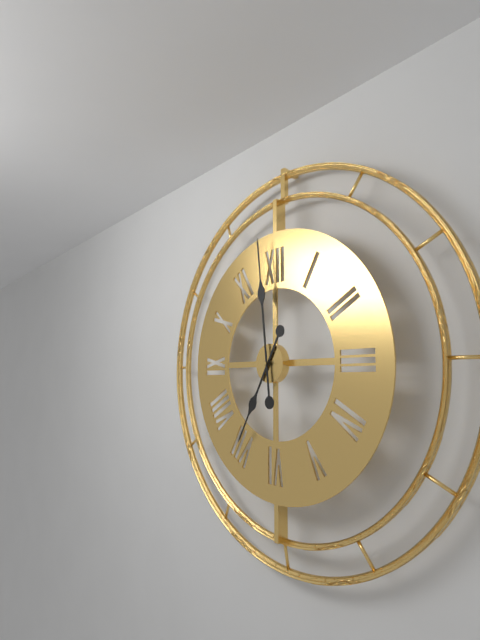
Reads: h=6 m=59
